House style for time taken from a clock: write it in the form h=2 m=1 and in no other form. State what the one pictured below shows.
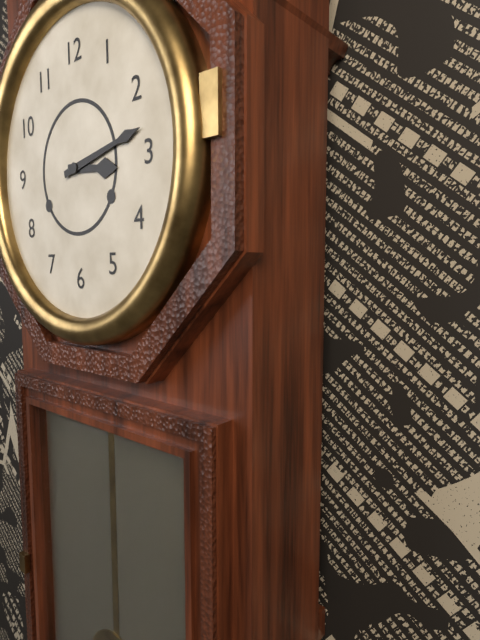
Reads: h=3 m=13
